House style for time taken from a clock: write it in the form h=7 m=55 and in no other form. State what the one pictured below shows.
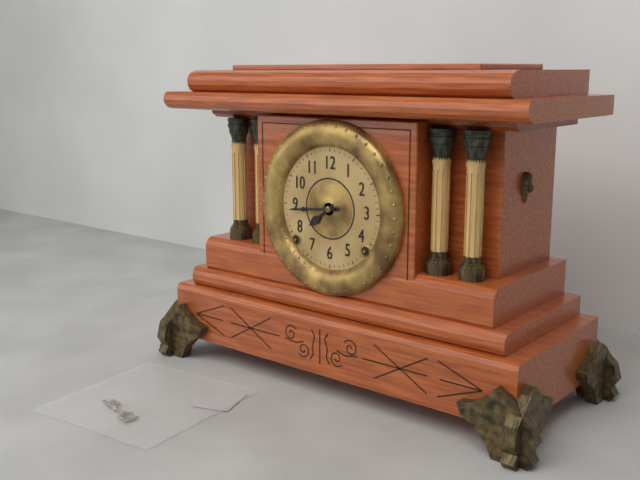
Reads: h=7 m=44
